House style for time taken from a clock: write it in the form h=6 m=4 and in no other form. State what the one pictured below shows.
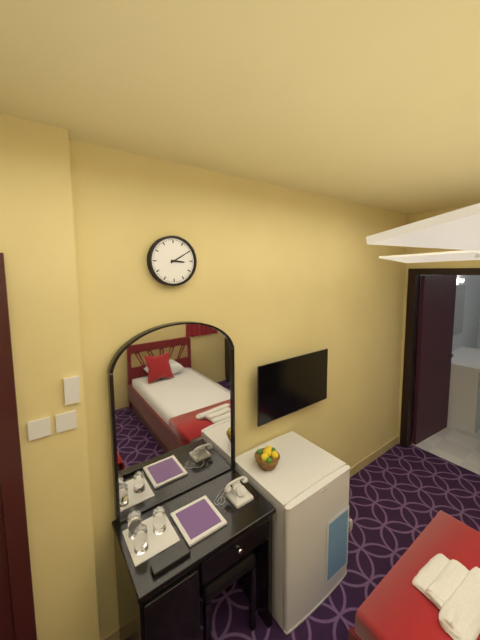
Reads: h=3 m=10
